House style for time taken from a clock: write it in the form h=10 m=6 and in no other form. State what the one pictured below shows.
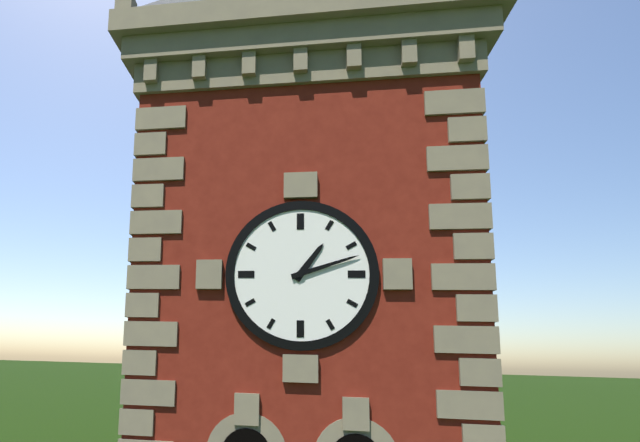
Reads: h=1 m=12
